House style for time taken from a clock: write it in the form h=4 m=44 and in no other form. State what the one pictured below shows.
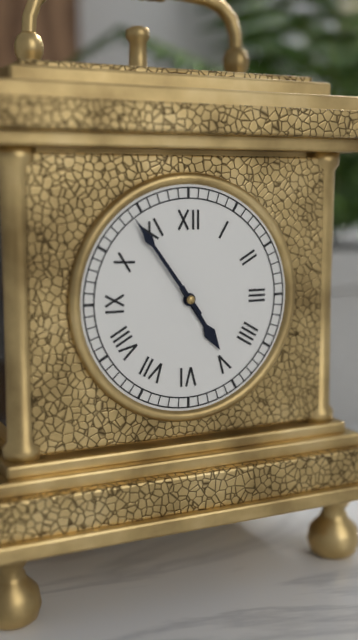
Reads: h=4 m=54
